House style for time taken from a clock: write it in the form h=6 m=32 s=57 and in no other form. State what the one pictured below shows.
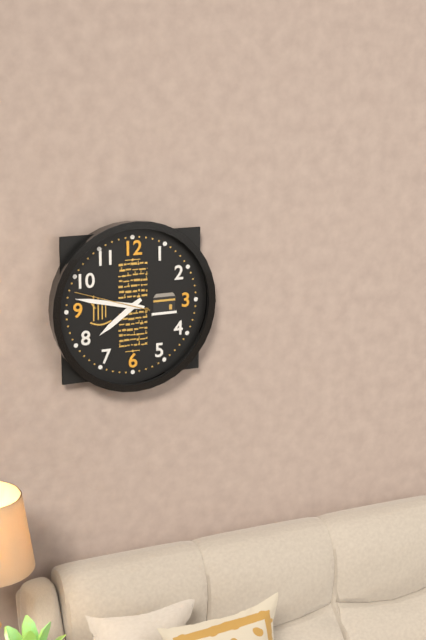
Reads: h=7 m=47 s=48
